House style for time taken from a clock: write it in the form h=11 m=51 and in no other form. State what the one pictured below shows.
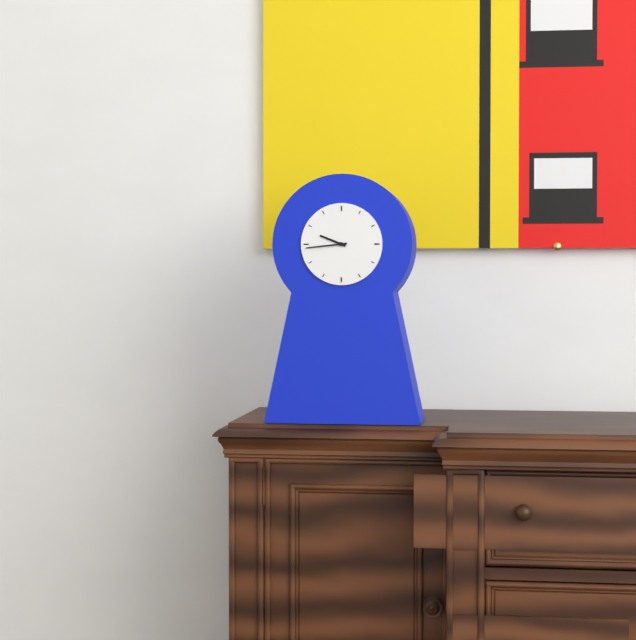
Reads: h=9 m=44
